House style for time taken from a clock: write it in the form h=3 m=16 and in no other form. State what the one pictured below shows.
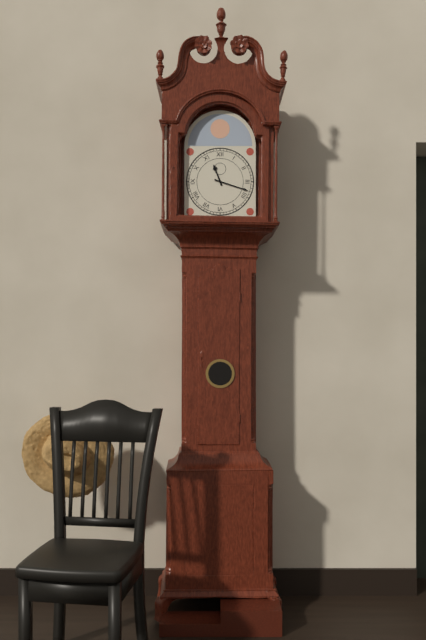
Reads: h=11 m=18
